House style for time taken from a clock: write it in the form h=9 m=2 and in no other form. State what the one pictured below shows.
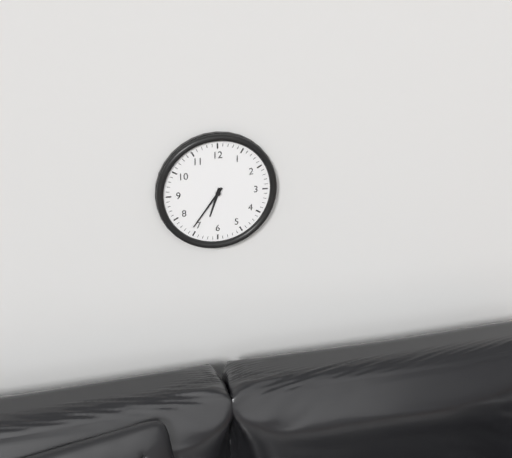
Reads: h=6 m=36
